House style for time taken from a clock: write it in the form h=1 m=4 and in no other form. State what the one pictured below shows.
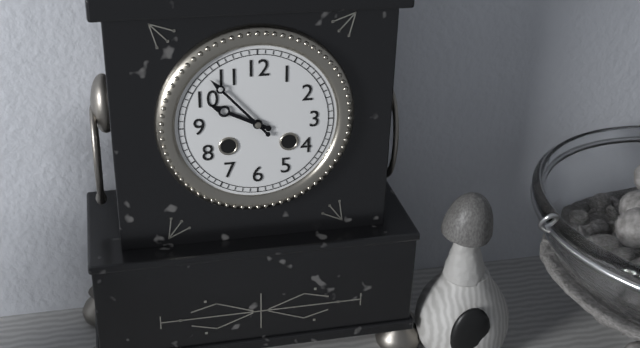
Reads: h=9 m=53
